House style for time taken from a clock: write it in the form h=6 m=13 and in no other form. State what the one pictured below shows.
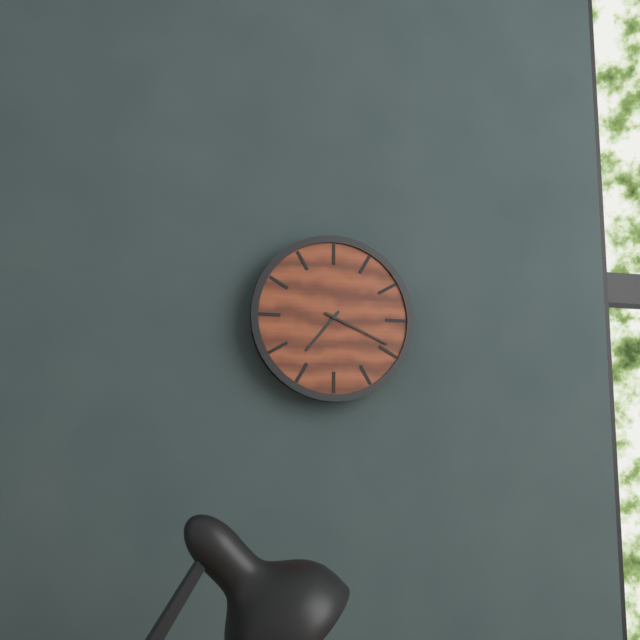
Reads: h=7 m=19
